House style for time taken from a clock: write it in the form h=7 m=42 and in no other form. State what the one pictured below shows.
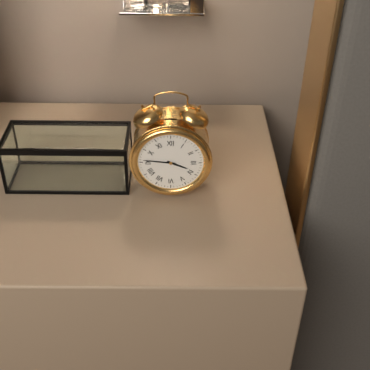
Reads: h=3 m=46
